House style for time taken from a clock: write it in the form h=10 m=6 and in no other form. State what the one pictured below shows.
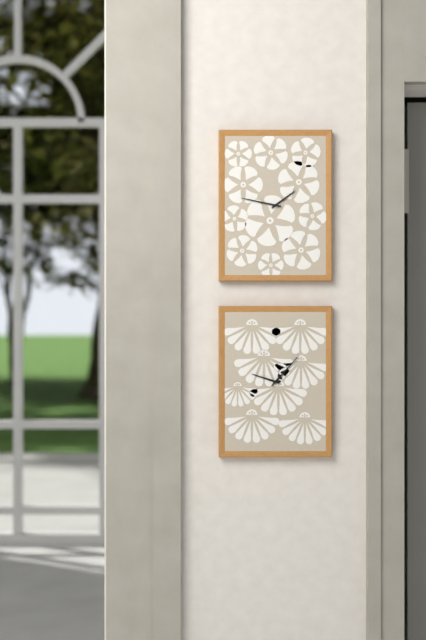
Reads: h=1 m=47
